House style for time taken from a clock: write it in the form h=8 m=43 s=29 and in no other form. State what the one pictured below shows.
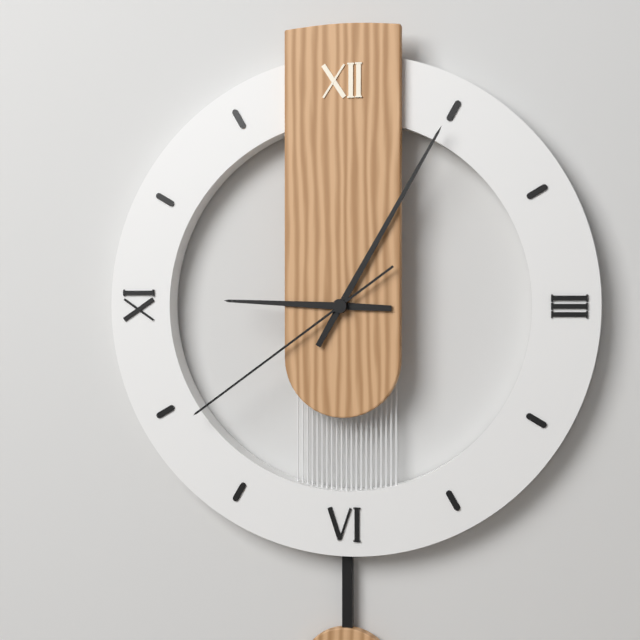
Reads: h=9 m=5 s=39
